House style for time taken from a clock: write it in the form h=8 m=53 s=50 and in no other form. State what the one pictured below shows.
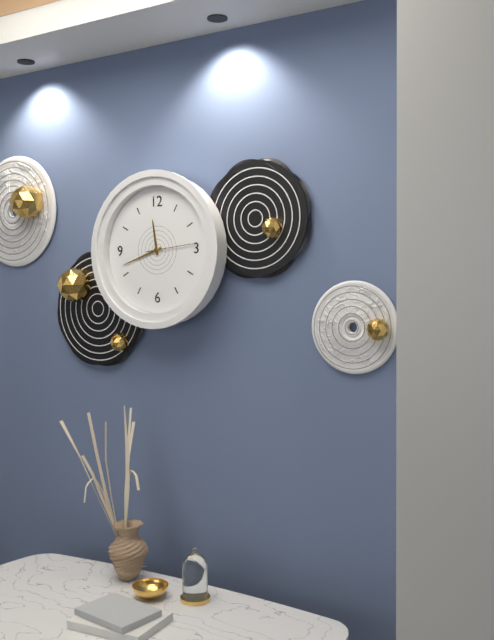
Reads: h=11 m=42 s=14
